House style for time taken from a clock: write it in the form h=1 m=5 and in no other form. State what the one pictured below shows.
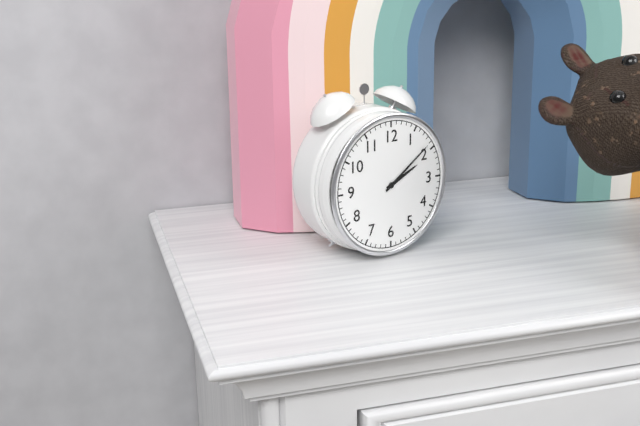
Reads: h=2 m=9
